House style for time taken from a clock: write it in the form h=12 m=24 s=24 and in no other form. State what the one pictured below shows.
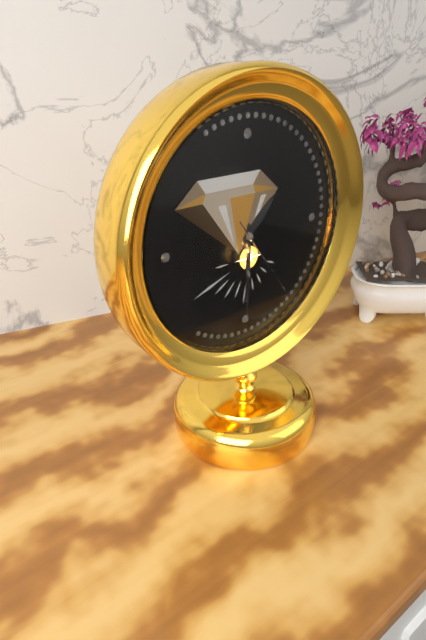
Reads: h=1 m=30 s=24
